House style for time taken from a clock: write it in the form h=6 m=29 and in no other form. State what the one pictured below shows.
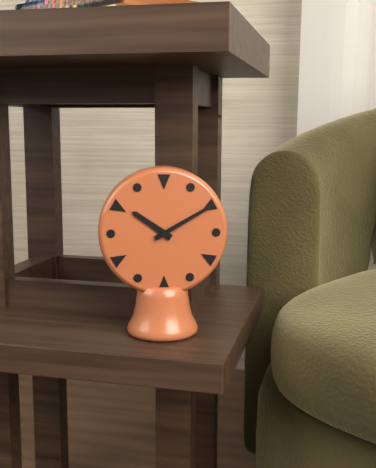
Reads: h=10 m=10
